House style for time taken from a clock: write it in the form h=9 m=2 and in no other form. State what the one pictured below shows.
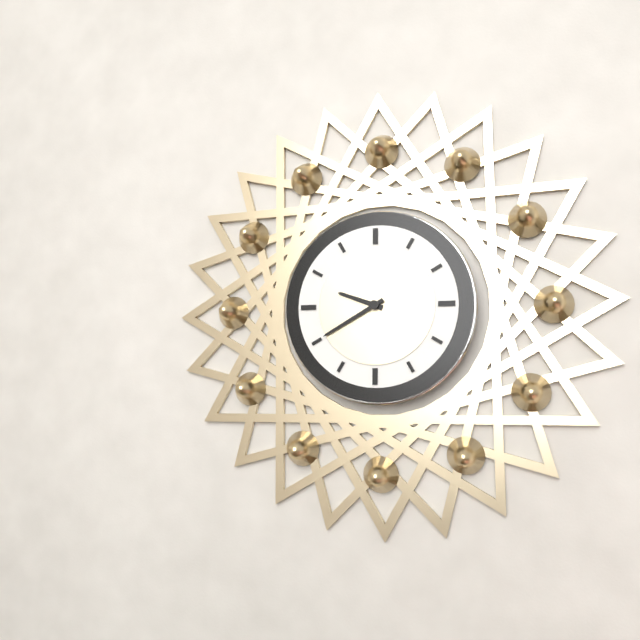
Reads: h=9 m=40
